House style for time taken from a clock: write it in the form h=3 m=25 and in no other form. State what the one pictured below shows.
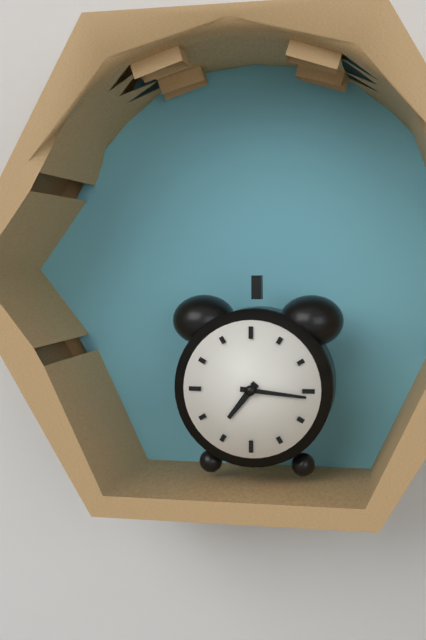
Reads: h=7 m=16
